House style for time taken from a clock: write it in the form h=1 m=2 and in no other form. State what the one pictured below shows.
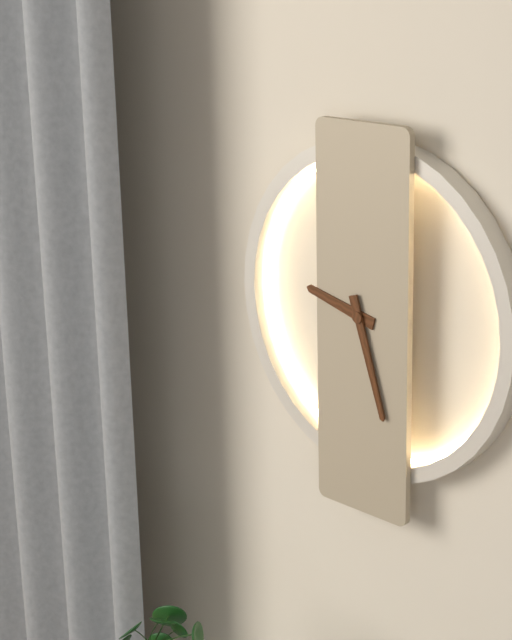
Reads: h=9 m=27
